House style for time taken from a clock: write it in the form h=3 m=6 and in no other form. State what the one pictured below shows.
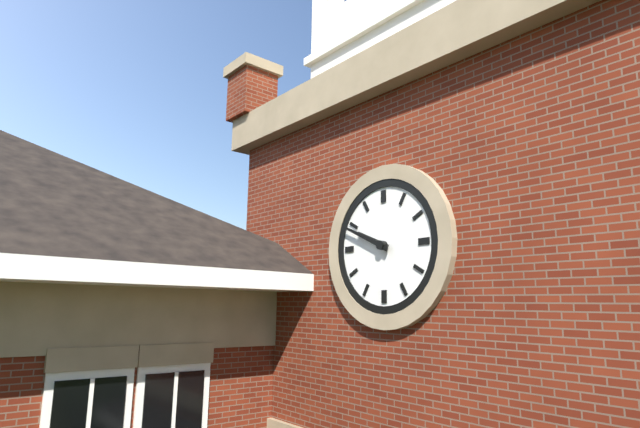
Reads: h=9 m=49
